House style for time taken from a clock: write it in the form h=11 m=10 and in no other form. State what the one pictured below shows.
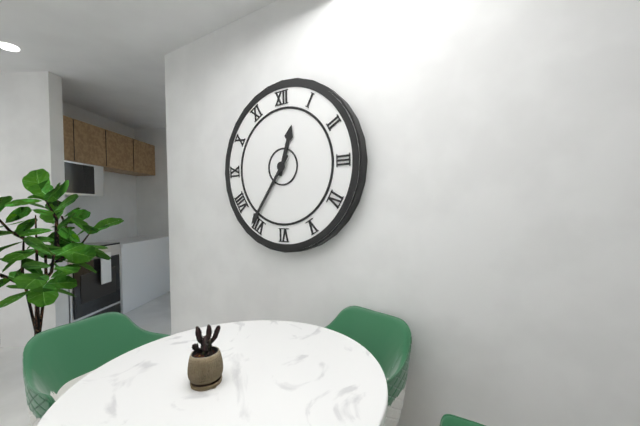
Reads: h=12 m=36
